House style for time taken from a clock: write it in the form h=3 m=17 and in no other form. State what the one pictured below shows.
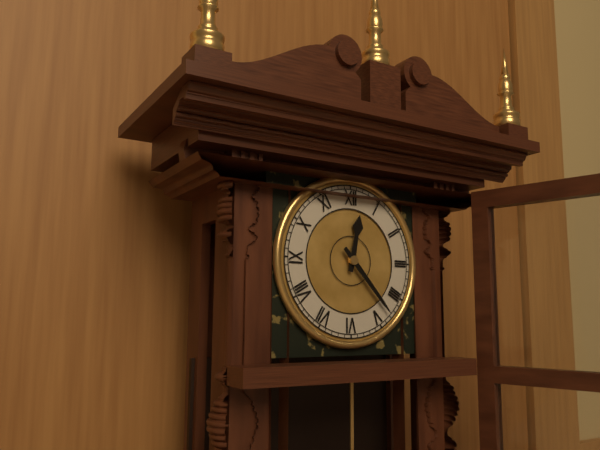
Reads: h=12 m=23
